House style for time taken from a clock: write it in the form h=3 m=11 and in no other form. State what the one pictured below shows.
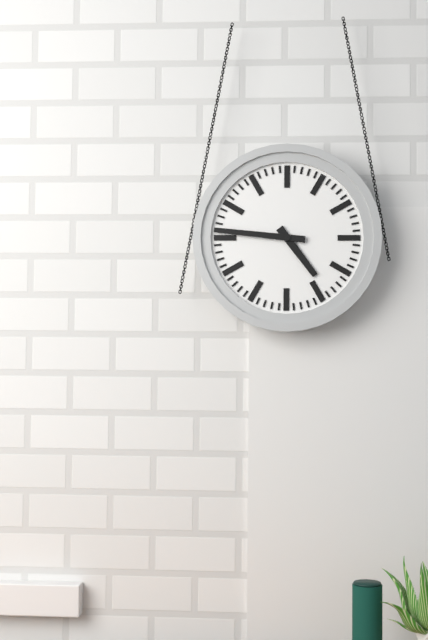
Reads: h=4 m=46
